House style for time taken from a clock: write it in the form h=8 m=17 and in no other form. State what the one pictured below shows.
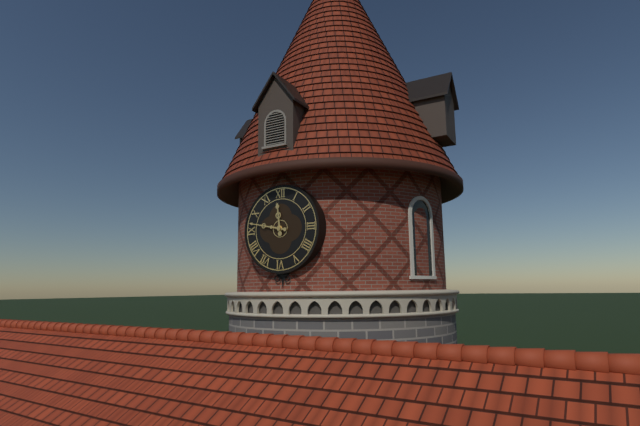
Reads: h=11 m=47
